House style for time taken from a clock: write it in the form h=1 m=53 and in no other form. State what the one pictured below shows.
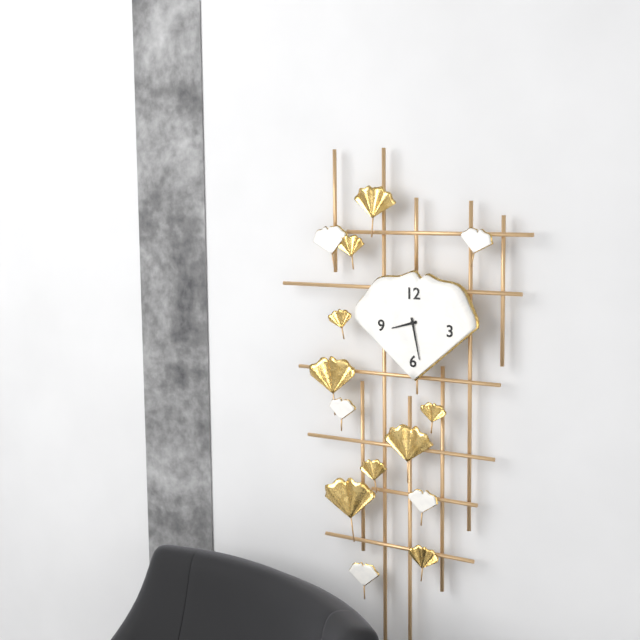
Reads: h=8 m=28
